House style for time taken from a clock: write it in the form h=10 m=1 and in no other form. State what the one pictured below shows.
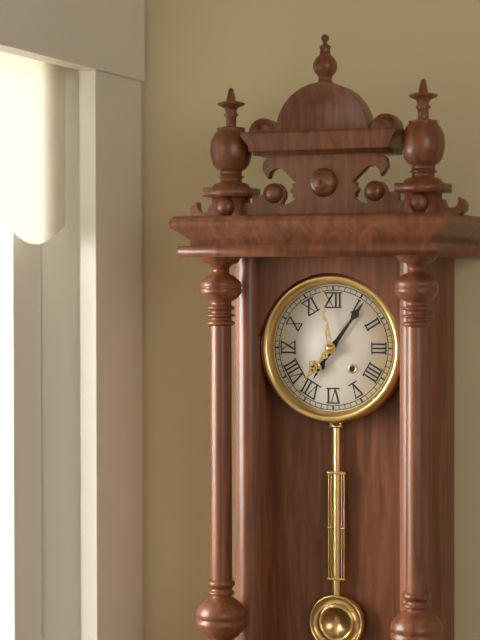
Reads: h=7 m=6
